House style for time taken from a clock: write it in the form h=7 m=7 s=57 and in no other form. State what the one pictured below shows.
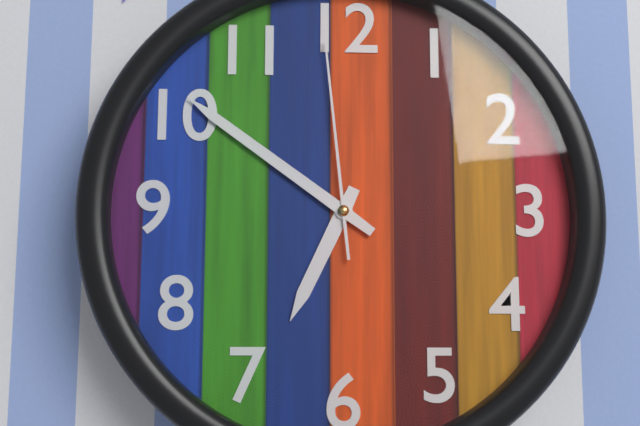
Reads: h=6 m=51 s=59
